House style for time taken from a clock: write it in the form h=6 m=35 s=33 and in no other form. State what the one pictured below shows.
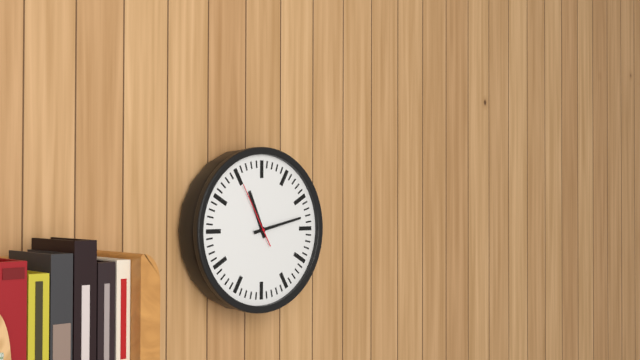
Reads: h=11 m=13 s=55
